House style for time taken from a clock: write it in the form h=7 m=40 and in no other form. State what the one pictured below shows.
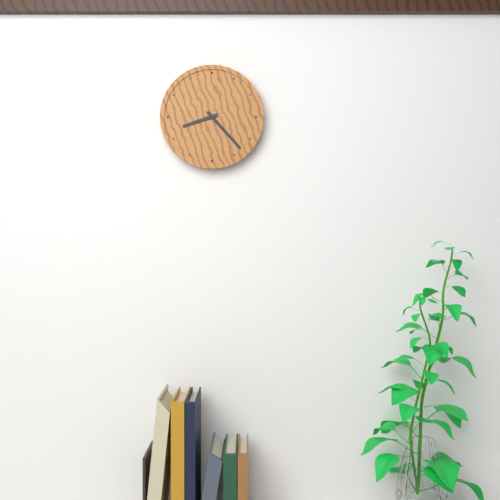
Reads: h=8 m=23
